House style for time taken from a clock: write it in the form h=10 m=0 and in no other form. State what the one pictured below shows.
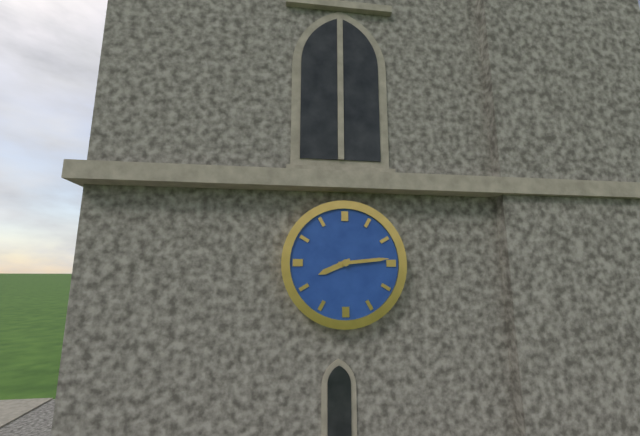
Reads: h=8 m=14
